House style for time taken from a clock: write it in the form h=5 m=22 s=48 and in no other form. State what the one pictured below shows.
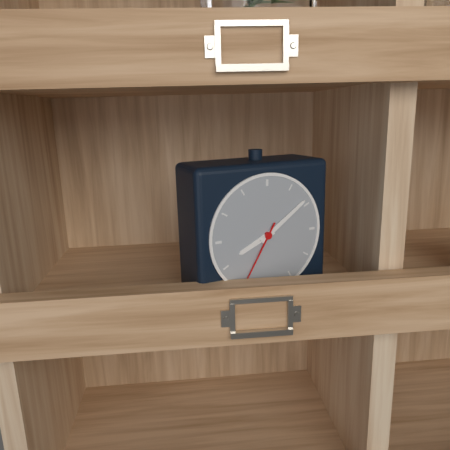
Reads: h=8 m=9 s=35
